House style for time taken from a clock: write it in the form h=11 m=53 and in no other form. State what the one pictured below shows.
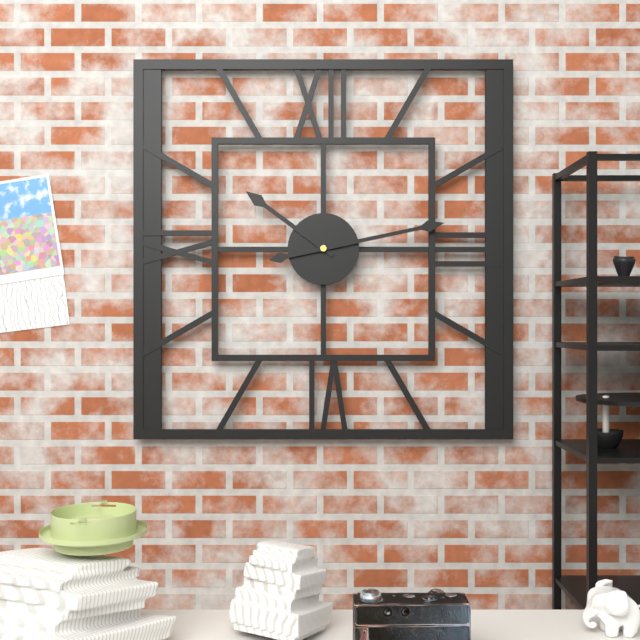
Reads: h=10 m=13
